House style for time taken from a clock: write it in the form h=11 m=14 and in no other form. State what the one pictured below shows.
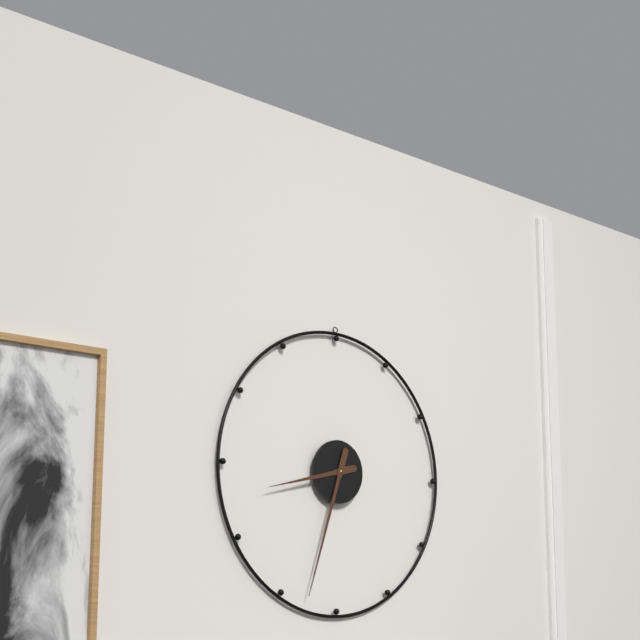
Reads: h=8 m=33
